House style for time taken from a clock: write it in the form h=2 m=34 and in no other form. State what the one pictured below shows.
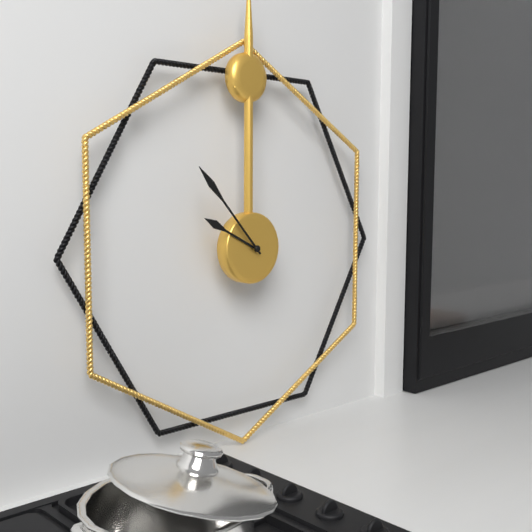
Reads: h=9 m=53
